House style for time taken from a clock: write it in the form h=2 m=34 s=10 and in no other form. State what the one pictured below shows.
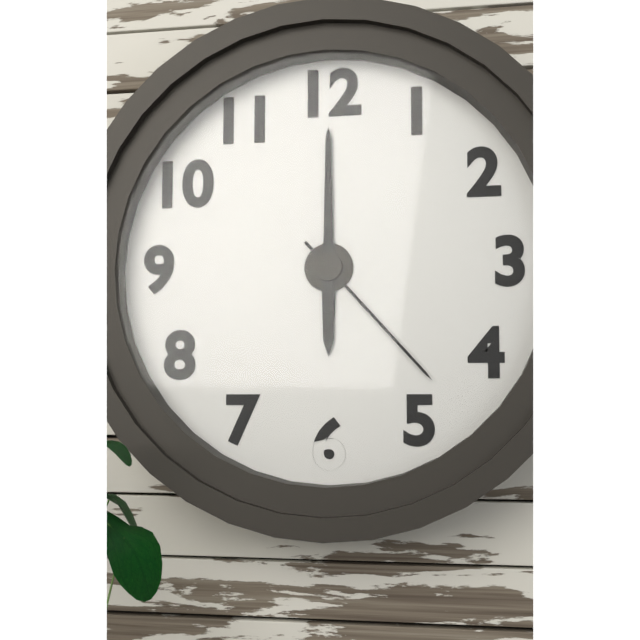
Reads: h=6 m=0 s=23
